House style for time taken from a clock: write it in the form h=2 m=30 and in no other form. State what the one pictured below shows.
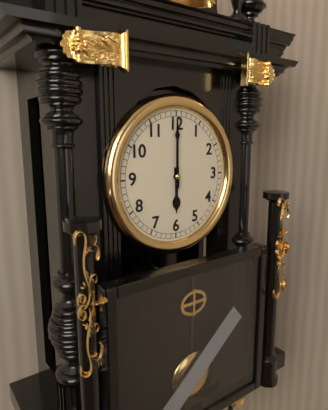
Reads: h=6 m=0
